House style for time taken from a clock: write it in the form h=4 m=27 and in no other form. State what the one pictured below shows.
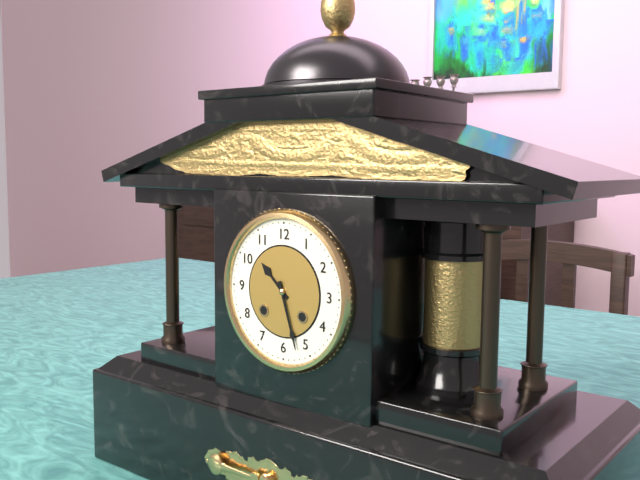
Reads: h=10 m=27
